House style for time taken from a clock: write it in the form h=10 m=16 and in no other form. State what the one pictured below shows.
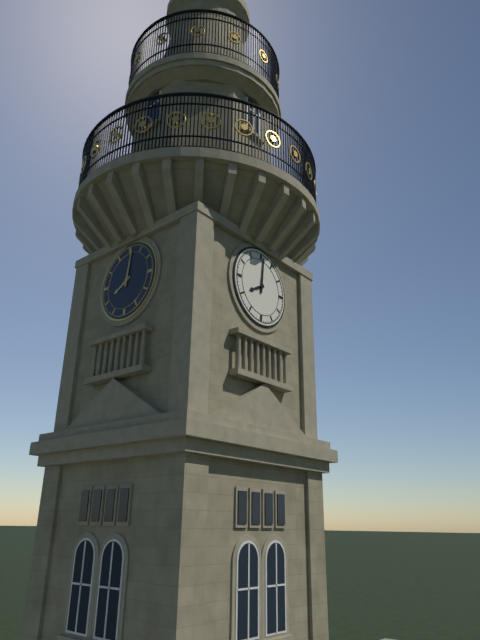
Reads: h=8 m=1
